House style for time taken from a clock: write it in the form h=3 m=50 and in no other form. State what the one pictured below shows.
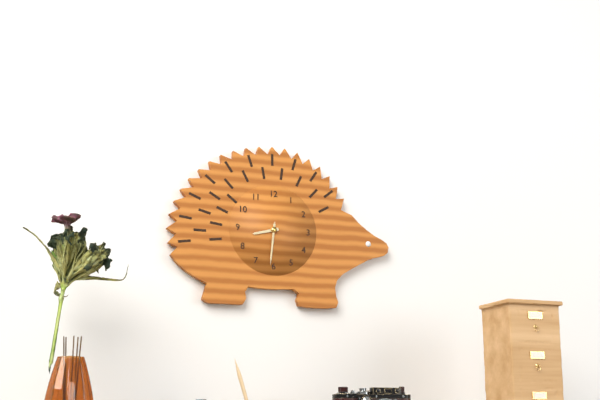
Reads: h=8 m=31
